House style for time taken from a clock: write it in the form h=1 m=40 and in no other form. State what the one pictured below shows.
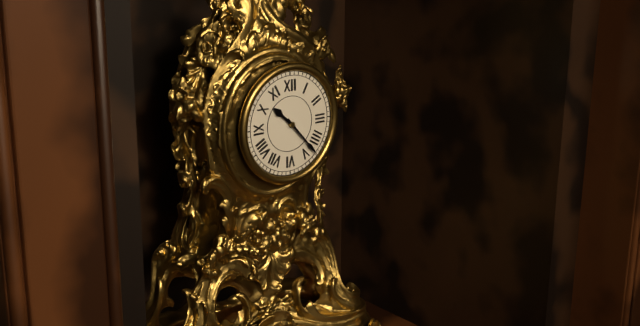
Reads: h=10 m=23
